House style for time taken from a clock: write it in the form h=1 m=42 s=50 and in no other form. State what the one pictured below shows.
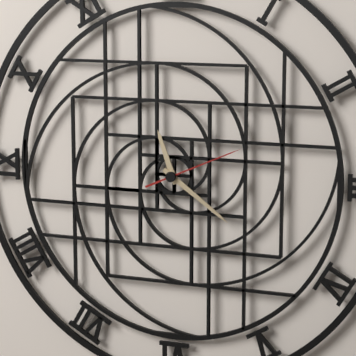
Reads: h=11 m=21 s=11
